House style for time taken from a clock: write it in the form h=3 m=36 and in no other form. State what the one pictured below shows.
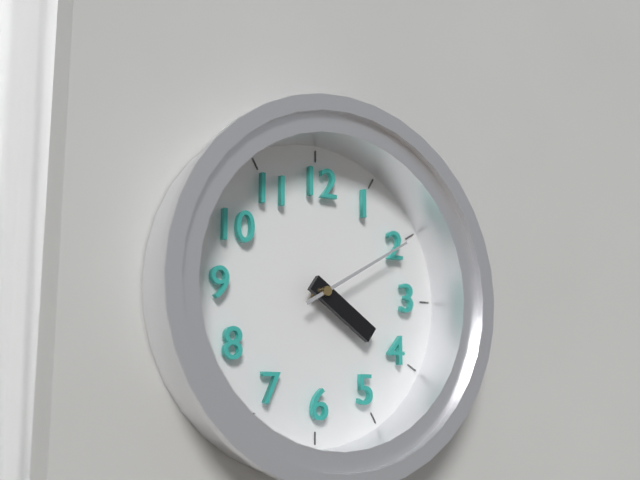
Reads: h=4 m=10
